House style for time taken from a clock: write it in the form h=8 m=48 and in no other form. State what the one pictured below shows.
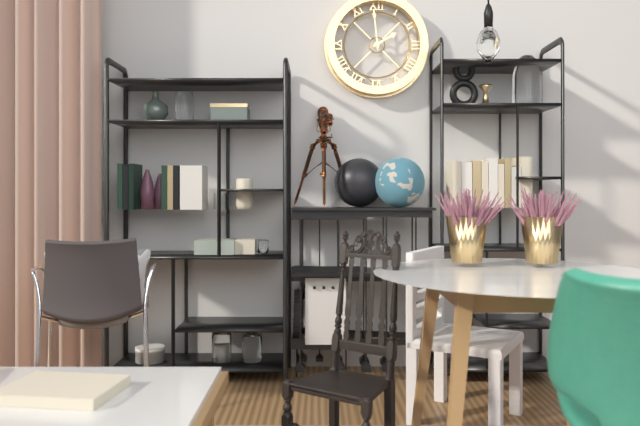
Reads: h=1 m=59
